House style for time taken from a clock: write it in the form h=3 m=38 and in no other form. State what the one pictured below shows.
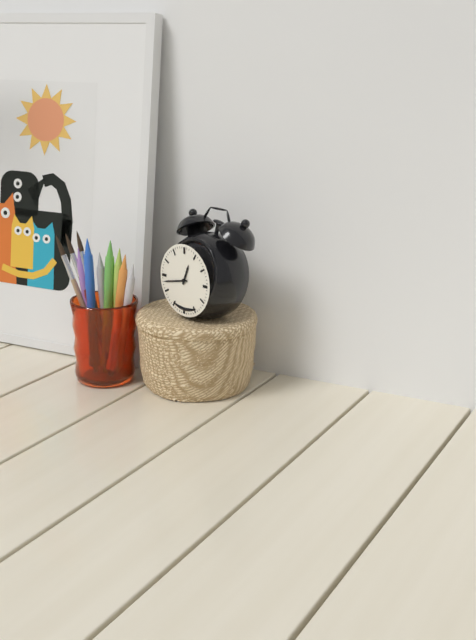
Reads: h=12 m=43
